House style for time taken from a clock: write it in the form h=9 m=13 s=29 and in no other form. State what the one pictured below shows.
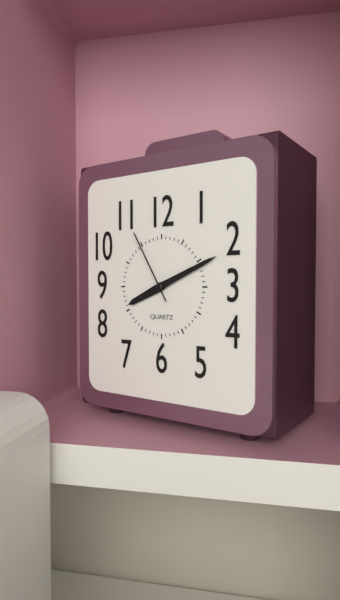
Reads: h=8 m=11 s=55
